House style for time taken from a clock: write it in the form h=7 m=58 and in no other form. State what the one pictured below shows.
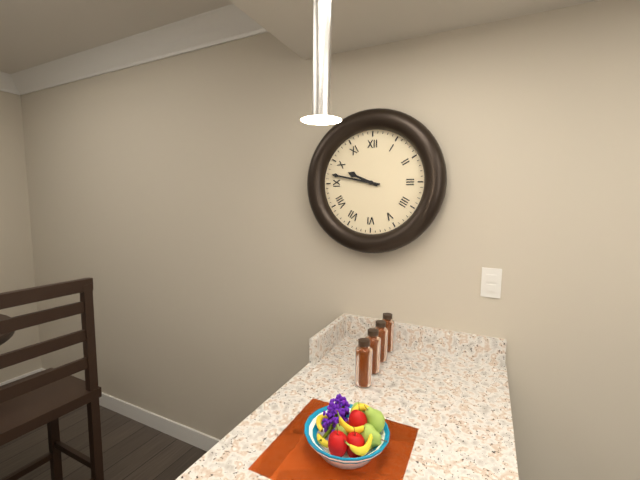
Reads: h=9 m=47
